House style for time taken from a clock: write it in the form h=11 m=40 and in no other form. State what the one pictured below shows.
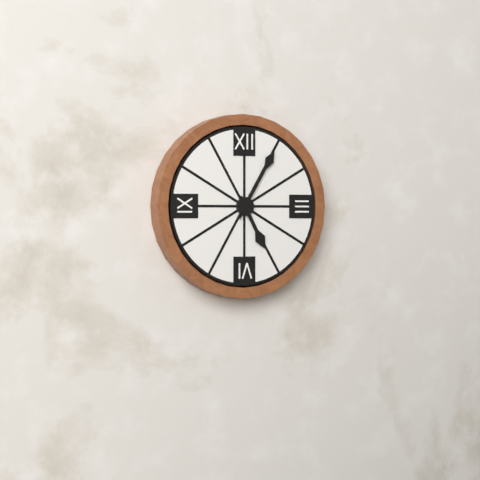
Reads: h=5 m=5
